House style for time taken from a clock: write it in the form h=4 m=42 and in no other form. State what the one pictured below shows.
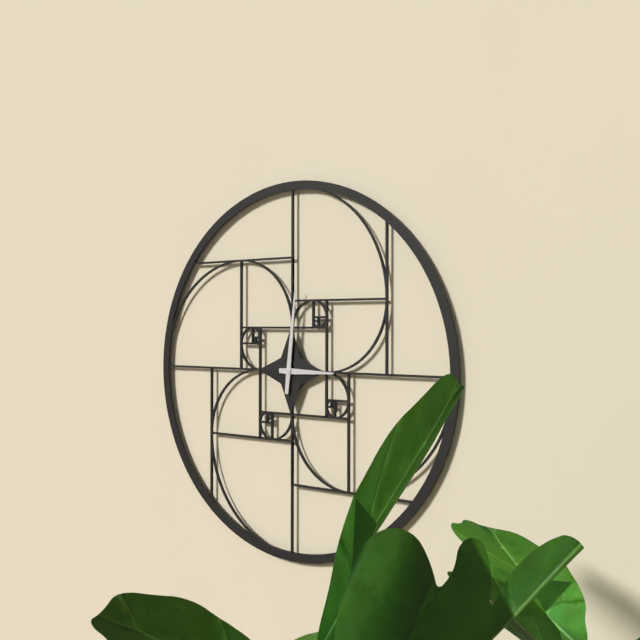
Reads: h=3 m=1
